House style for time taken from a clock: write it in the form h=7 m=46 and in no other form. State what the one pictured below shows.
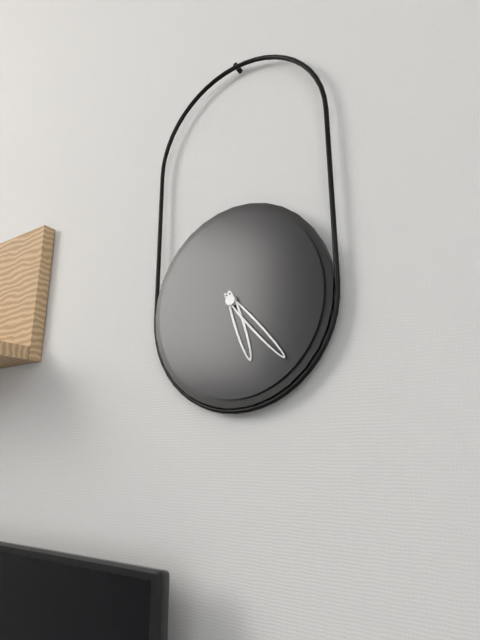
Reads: h=5 m=23
